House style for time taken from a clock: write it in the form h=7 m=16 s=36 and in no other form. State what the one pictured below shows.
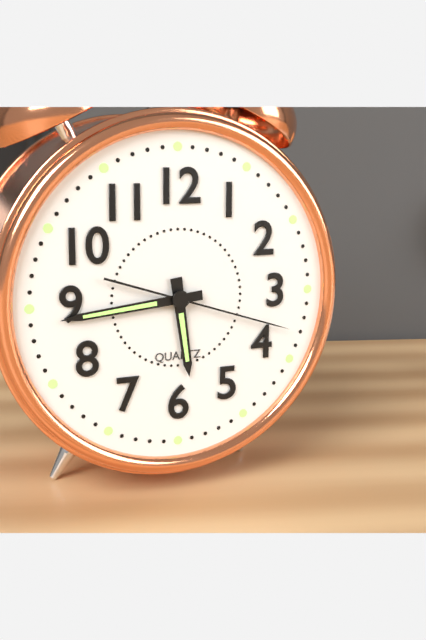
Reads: h=5 m=44 s=18
